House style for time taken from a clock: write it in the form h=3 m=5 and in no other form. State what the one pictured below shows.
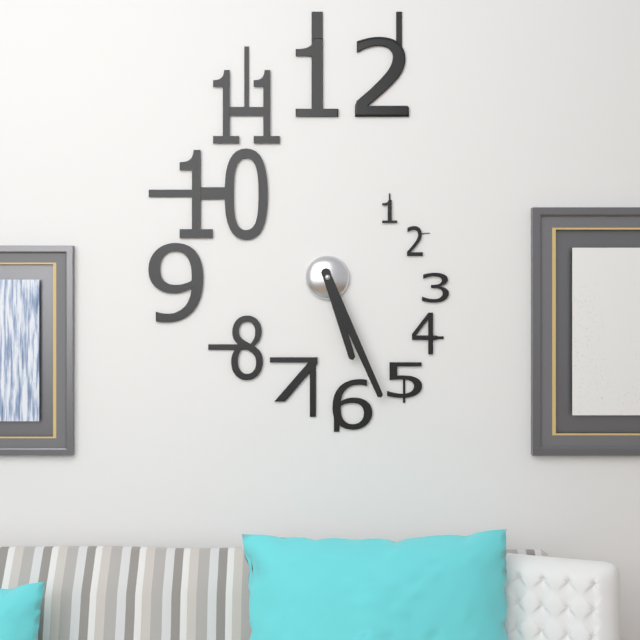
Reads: h=5 m=26
